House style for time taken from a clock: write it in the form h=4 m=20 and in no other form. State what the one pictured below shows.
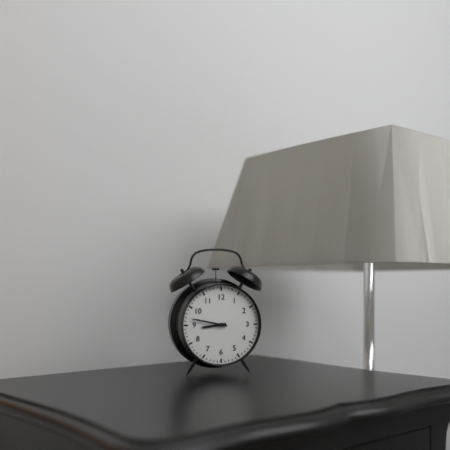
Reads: h=8 m=47
